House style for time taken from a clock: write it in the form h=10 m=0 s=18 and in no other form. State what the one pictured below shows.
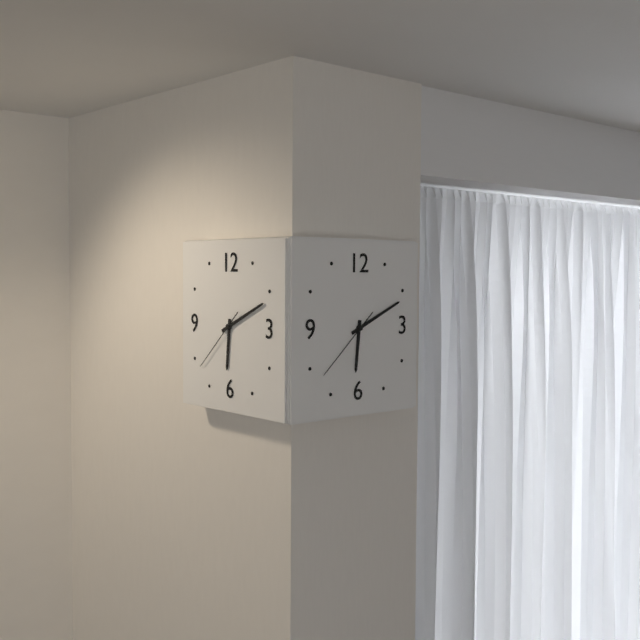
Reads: h=6 m=11 s=38
